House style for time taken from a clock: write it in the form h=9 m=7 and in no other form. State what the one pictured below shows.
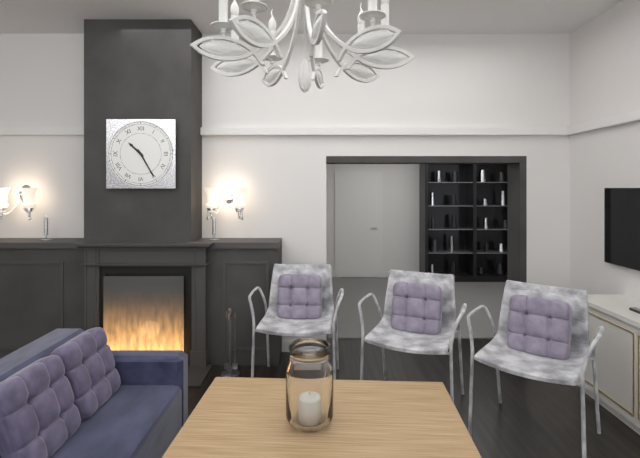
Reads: h=10 m=25
